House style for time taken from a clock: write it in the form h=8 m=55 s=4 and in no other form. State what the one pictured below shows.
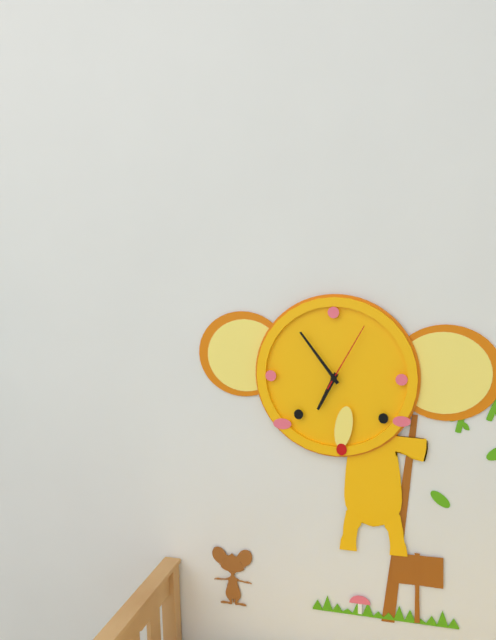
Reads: h=6 m=54 s=5
